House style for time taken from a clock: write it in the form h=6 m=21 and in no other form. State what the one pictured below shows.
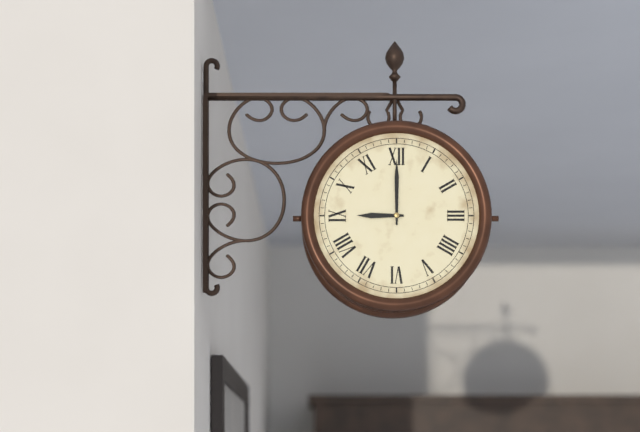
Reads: h=9 m=0
